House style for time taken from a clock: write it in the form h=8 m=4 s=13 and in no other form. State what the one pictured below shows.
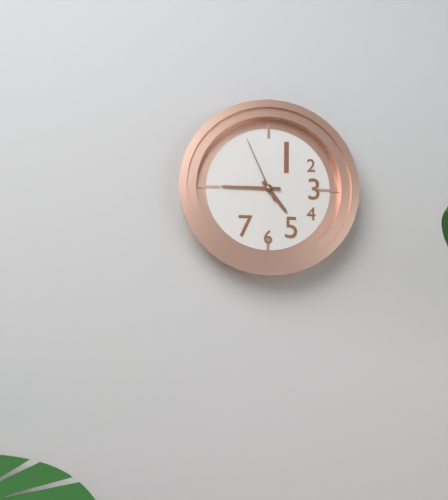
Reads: h=4 m=45 s=56
